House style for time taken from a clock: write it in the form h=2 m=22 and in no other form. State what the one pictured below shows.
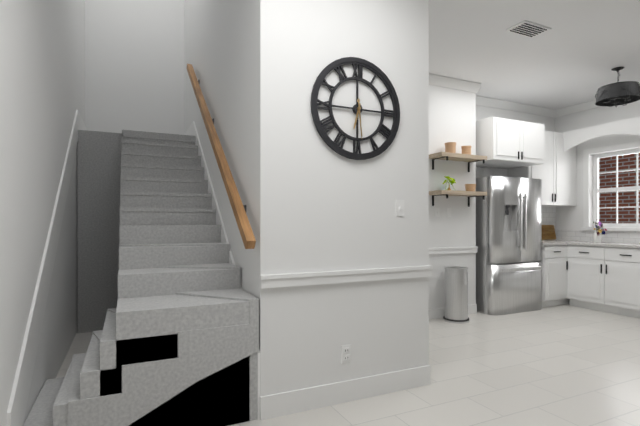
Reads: h=6 m=29
